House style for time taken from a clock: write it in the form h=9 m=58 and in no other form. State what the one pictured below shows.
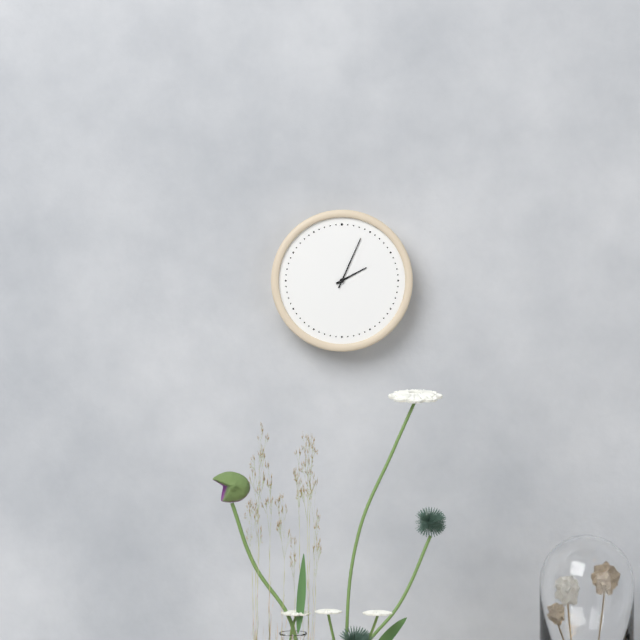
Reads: h=2 m=4
